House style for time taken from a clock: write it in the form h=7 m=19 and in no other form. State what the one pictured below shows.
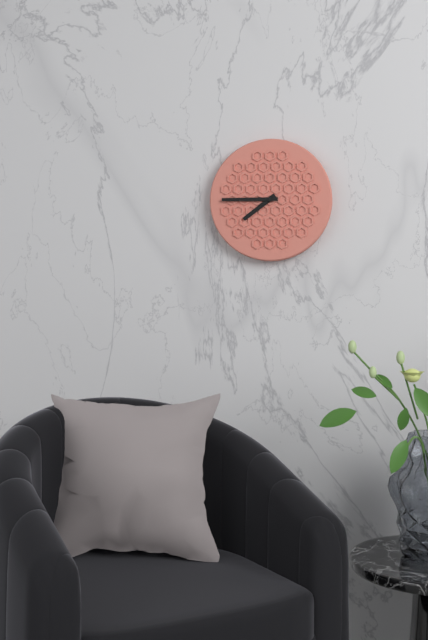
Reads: h=7 m=45
